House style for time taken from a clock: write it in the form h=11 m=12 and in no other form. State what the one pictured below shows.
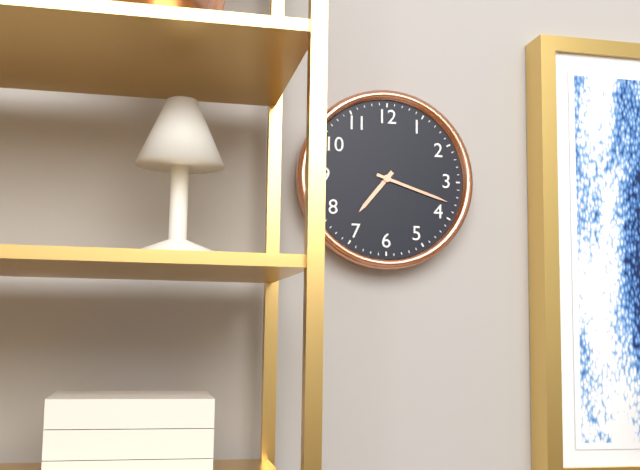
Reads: h=7 m=18
